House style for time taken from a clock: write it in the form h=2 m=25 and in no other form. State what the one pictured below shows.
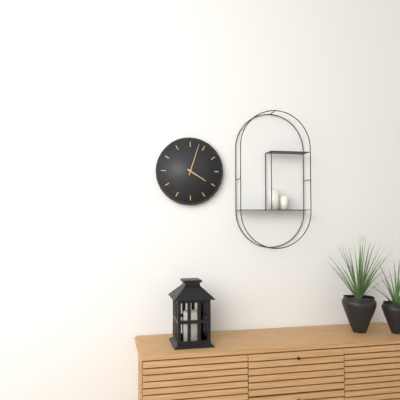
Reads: h=4 m=3
